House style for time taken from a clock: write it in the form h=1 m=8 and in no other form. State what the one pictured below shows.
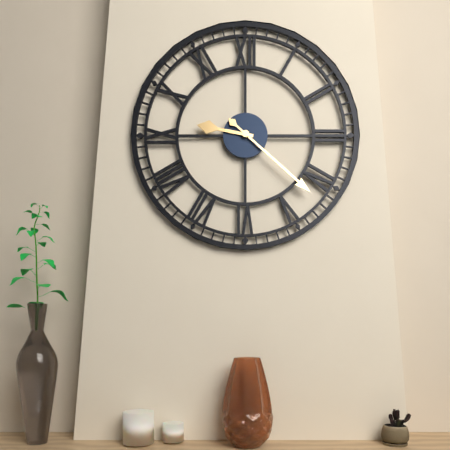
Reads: h=9 m=22
